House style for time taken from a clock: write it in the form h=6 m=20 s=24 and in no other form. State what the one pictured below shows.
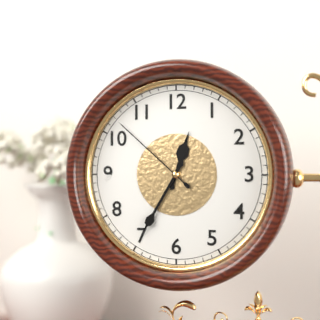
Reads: h=12 m=35 s=52
